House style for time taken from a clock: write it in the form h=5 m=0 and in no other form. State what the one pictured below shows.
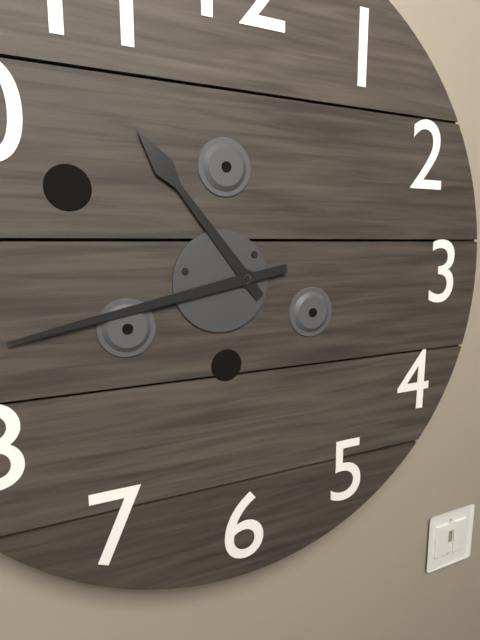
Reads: h=10 m=43
